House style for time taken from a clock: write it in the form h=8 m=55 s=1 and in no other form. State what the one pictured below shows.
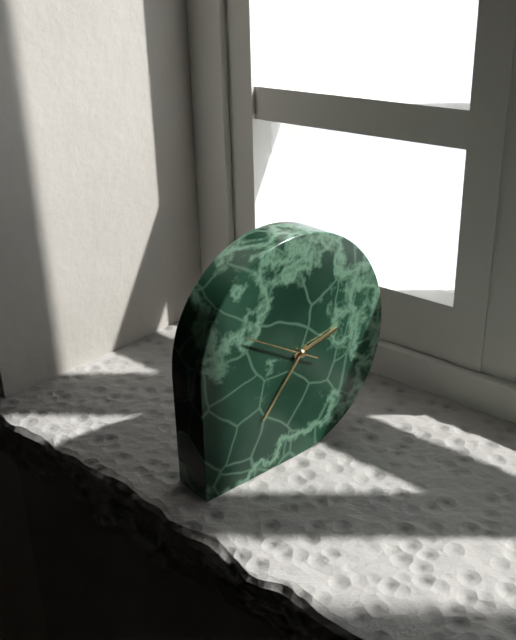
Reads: h=2 m=37 s=50
